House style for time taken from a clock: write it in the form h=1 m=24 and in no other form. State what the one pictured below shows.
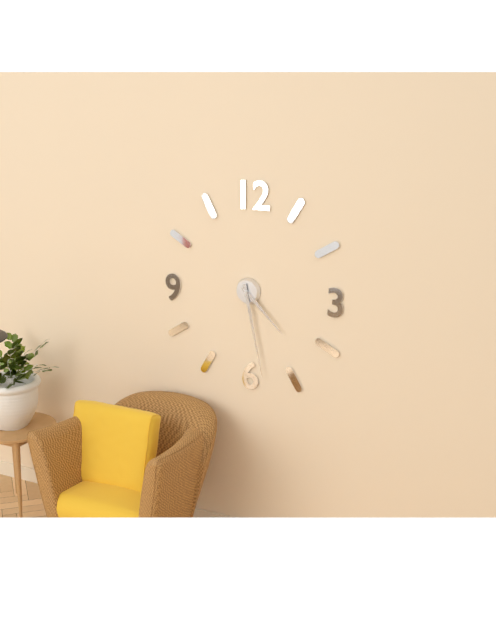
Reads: h=4 m=28
